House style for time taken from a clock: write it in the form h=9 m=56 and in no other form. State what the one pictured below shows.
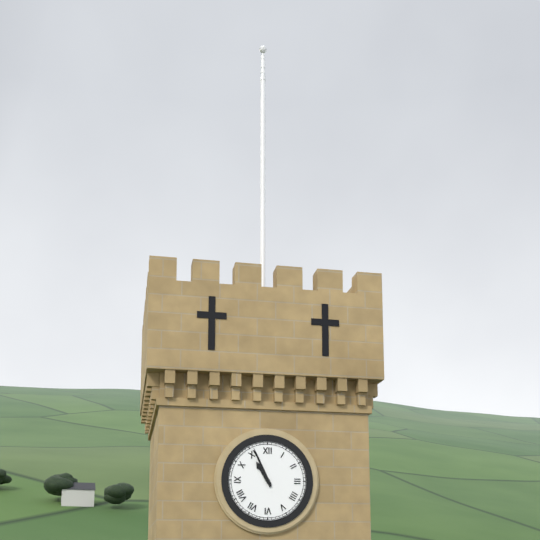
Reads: h=10 m=56
